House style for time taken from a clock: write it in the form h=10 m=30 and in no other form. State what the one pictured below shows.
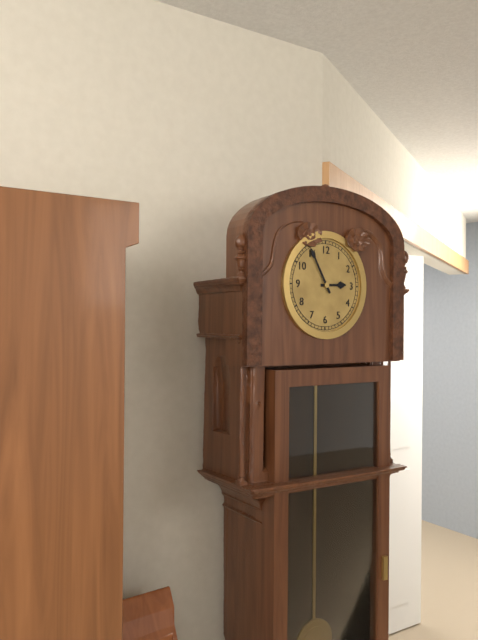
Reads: h=2 m=55
